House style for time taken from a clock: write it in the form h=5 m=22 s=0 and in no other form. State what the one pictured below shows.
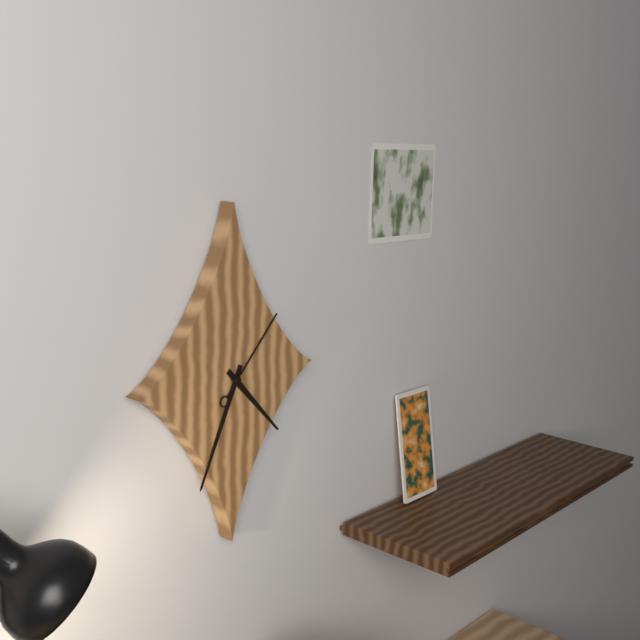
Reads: h=4 m=34 s=7
